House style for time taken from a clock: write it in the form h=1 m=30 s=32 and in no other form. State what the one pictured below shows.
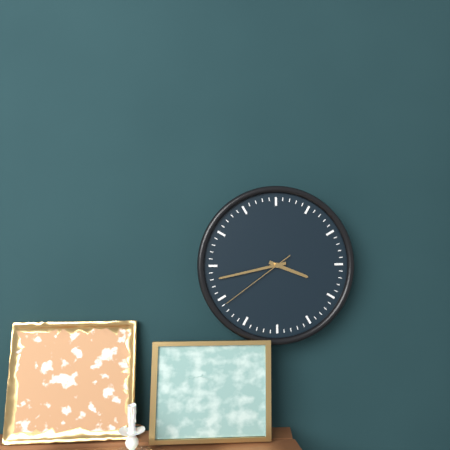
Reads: h=3 m=43 s=39
